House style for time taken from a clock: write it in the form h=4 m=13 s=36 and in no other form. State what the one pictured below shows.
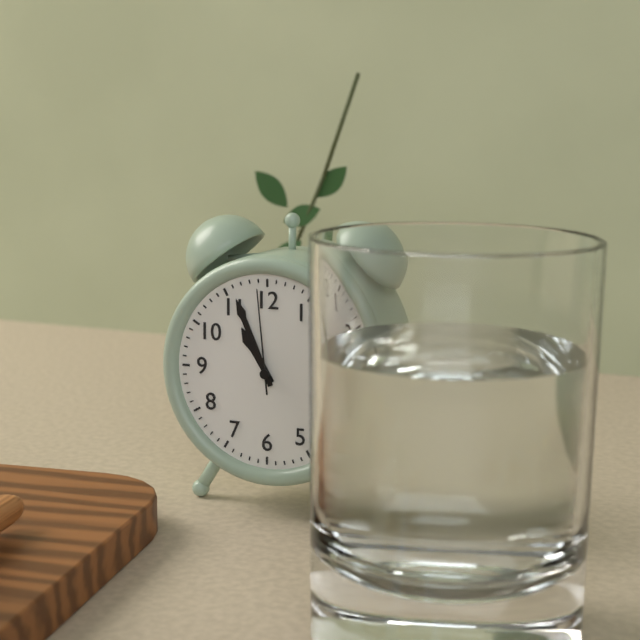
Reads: h=10 m=56 s=59
